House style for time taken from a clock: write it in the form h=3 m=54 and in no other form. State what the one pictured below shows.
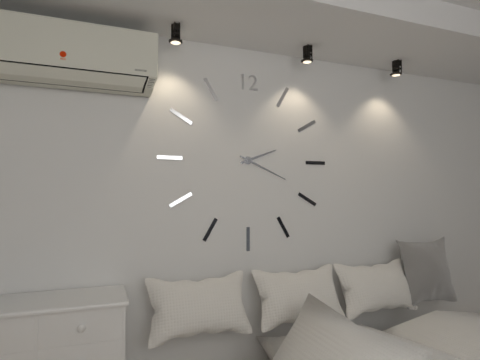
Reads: h=2 m=19
